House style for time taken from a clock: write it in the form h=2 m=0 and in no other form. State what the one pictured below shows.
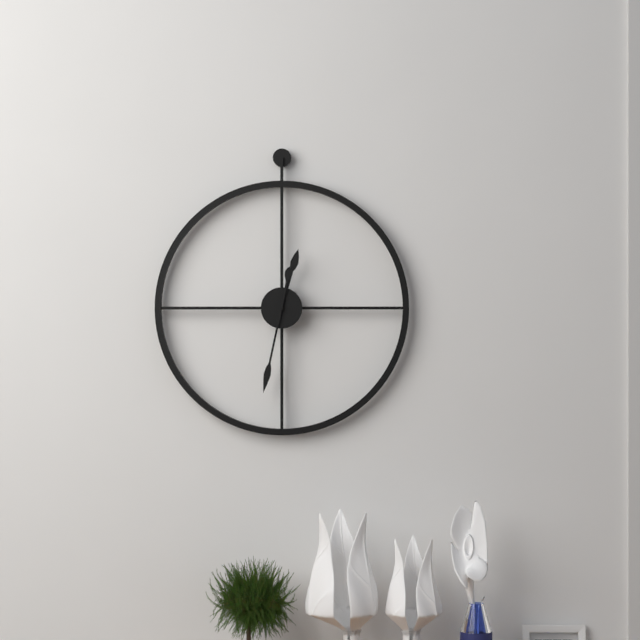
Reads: h=12 m=32
